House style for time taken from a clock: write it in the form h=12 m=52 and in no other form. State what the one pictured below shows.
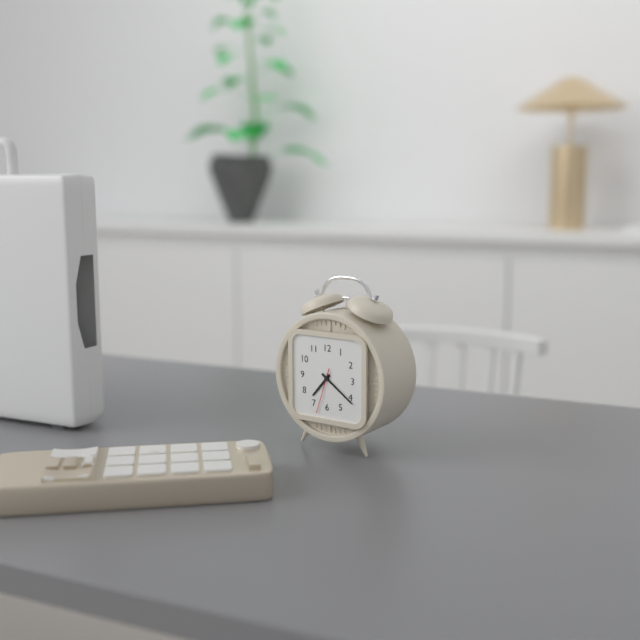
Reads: h=7 m=21
